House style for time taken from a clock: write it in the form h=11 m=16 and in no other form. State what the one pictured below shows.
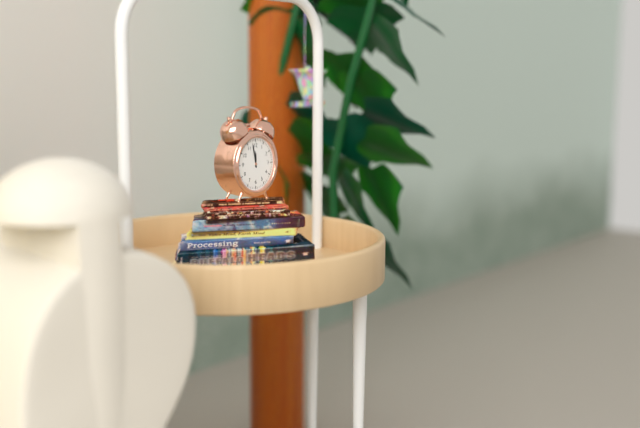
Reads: h=11 m=58
